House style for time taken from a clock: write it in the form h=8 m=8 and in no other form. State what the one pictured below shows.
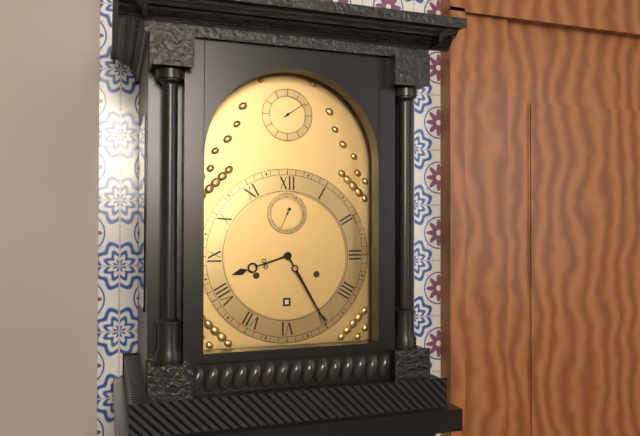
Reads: h=8 m=25
